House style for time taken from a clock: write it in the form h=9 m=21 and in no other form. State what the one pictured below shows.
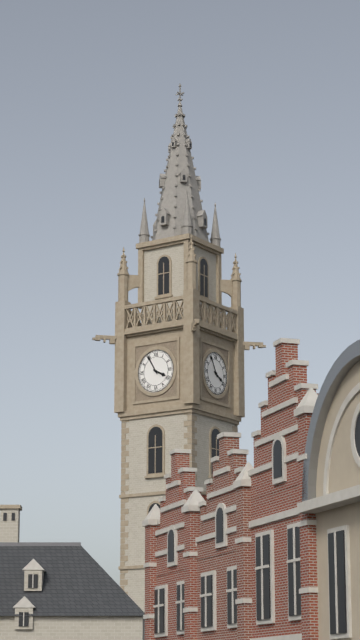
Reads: h=3 m=55
